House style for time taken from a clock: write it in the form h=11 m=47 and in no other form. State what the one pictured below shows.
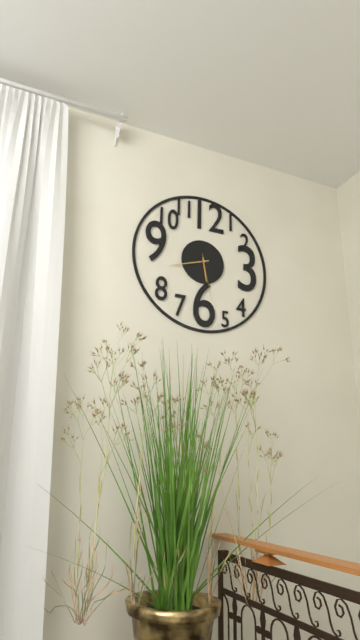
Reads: h=5 m=42
